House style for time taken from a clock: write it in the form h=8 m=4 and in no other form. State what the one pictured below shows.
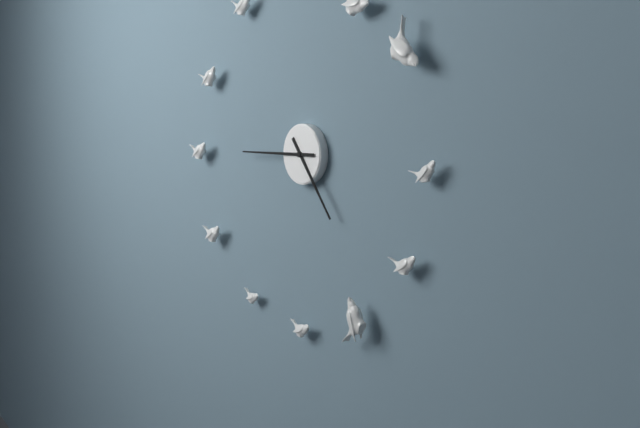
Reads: h=4 m=45
